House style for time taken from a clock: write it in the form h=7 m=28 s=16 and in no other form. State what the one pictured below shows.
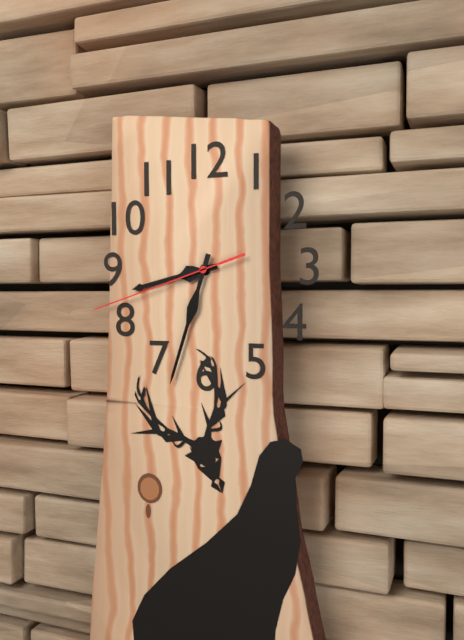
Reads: h=8 m=33 s=42
